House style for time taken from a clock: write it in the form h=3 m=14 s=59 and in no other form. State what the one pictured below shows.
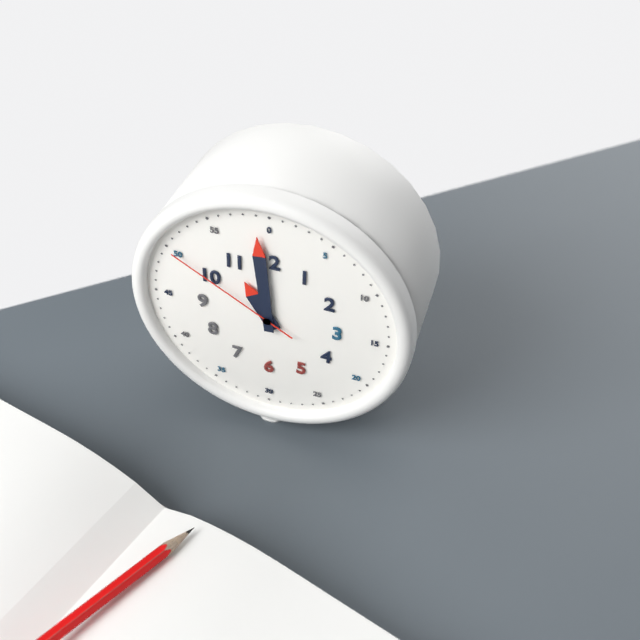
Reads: h=10 m=59 s=50
